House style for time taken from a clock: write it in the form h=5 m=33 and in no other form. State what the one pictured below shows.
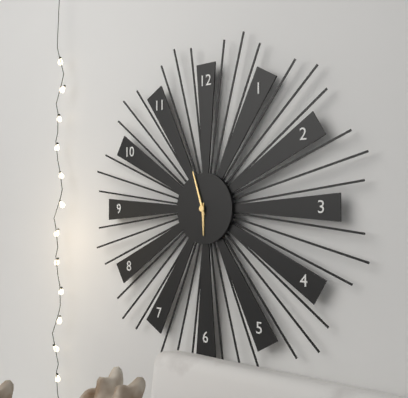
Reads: h=5 m=57
